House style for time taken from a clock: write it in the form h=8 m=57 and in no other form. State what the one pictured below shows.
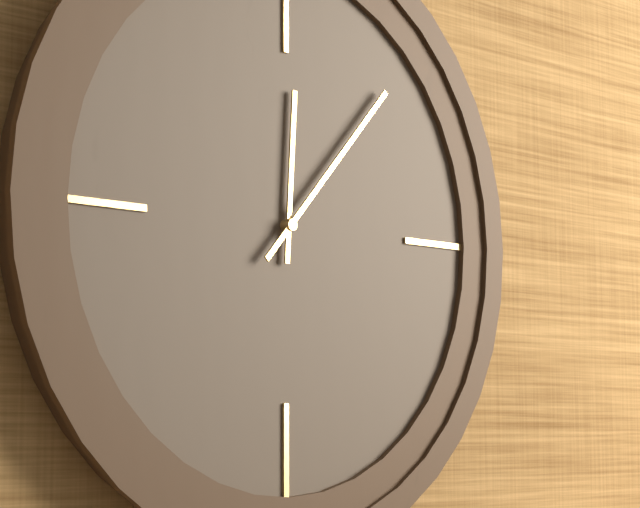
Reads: h=12 m=7
